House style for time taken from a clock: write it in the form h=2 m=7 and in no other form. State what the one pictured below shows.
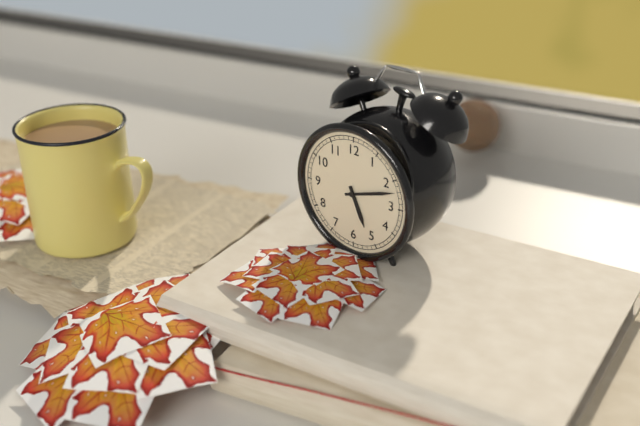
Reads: h=5 m=12
